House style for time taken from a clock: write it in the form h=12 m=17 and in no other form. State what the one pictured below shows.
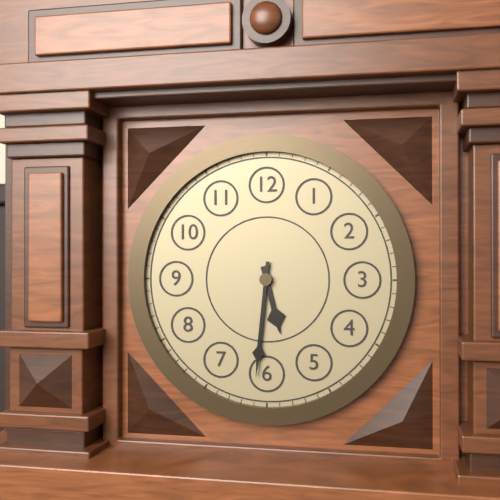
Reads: h=5 m=31
